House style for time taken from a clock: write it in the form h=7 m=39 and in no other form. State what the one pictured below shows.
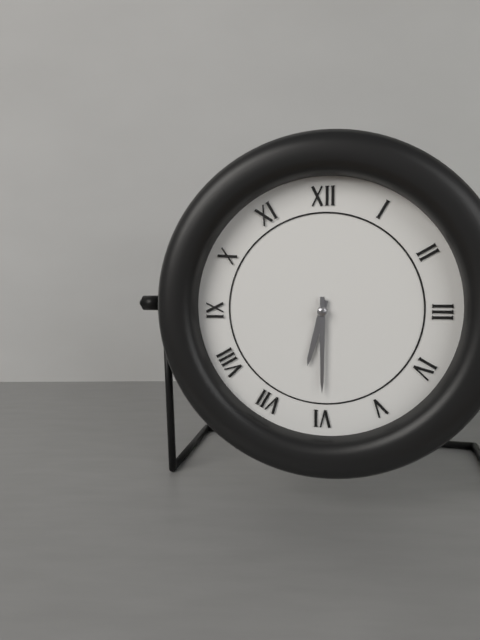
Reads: h=6 m=30
